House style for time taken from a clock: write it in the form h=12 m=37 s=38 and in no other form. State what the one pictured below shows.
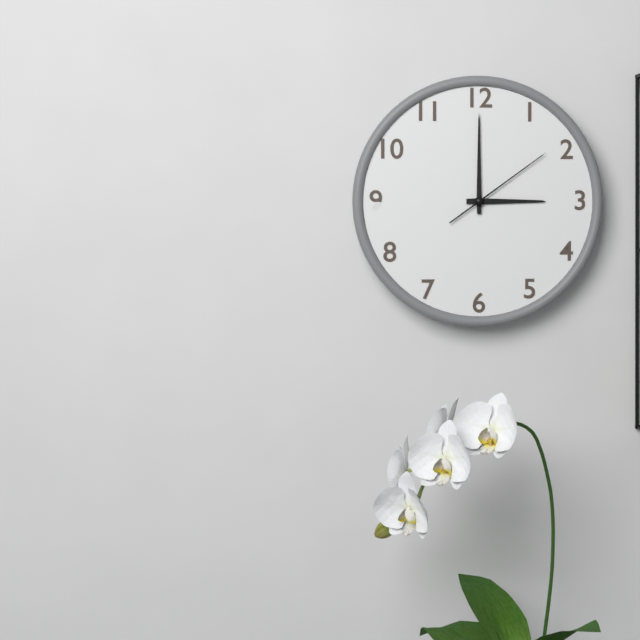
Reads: h=3 m=0 s=9
